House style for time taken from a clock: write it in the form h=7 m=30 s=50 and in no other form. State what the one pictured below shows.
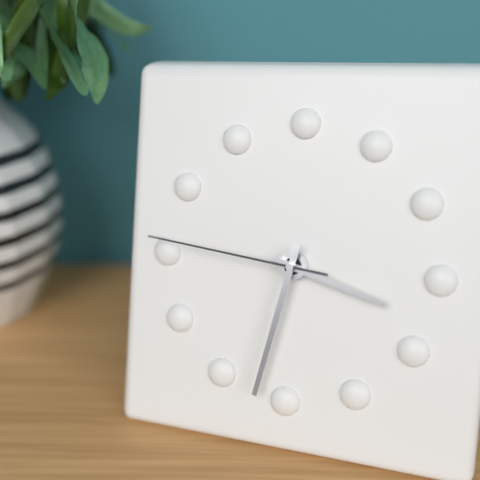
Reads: h=3 m=32 s=46
